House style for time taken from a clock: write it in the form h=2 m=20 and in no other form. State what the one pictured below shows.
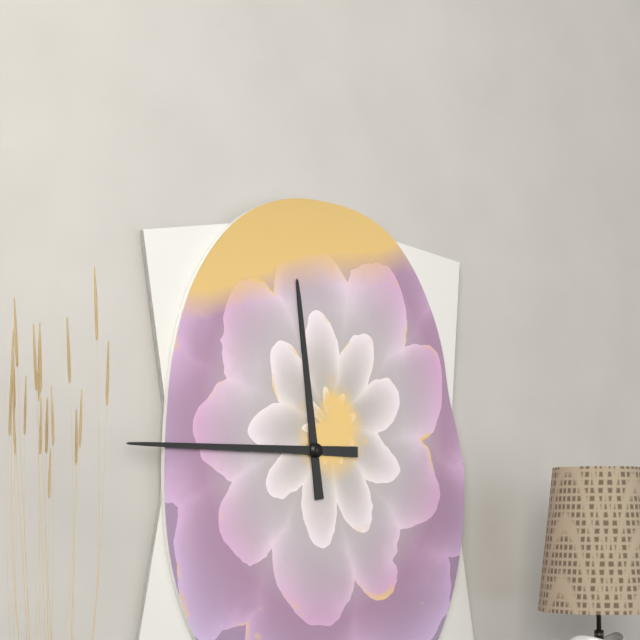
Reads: h=11 m=45
